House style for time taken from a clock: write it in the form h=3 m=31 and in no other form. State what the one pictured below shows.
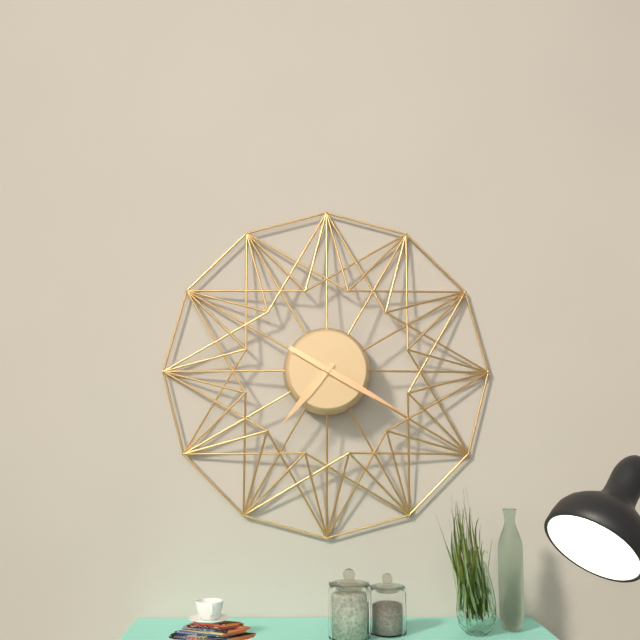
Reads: h=7 m=20
